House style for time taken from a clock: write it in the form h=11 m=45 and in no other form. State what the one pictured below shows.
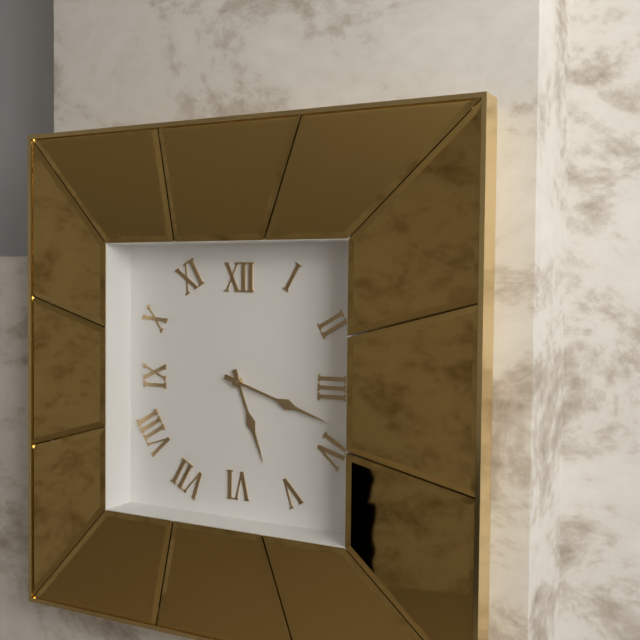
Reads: h=5 m=18
